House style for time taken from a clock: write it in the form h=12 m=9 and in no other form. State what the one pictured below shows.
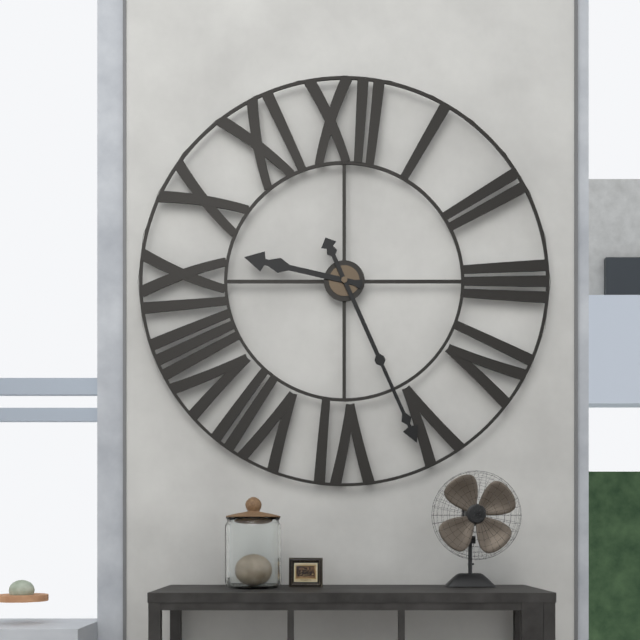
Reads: h=9 m=26
